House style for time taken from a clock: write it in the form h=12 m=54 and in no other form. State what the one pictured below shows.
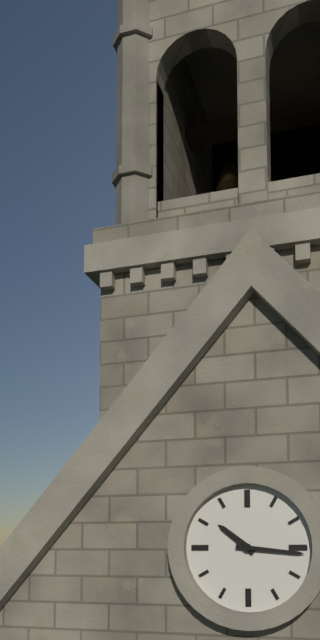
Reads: h=10 m=16
